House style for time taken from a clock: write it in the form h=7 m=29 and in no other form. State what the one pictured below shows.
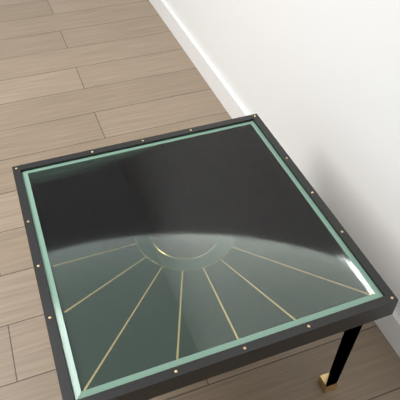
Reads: h=12 m=33
